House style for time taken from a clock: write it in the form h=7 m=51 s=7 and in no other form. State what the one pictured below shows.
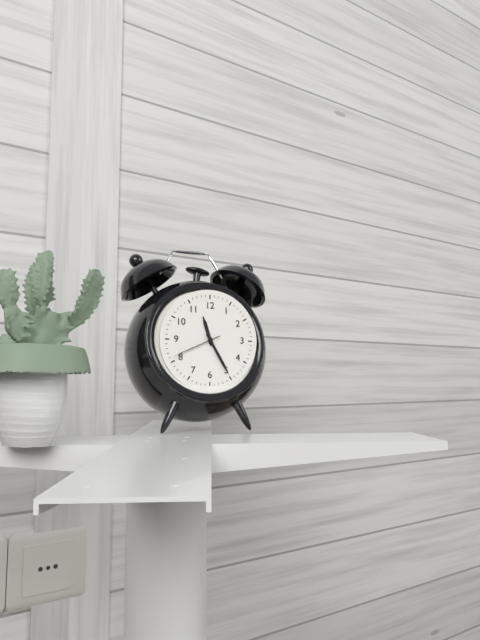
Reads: h=11 m=25 s=41
